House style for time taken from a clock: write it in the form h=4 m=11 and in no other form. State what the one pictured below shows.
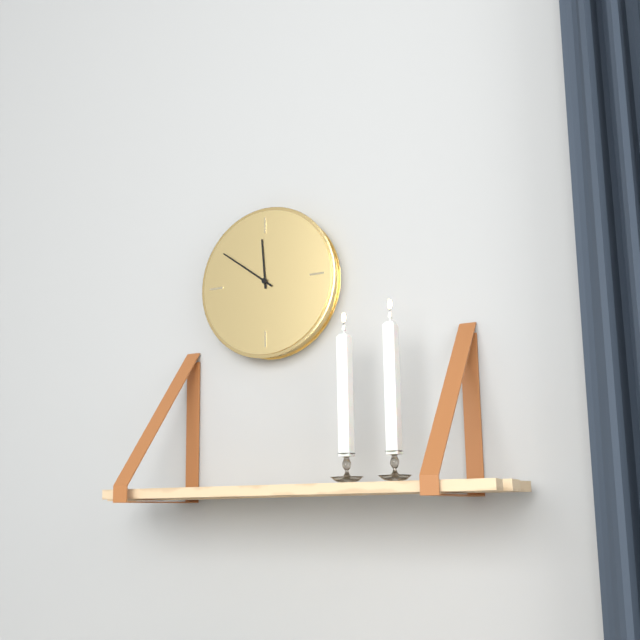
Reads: h=11 m=51
